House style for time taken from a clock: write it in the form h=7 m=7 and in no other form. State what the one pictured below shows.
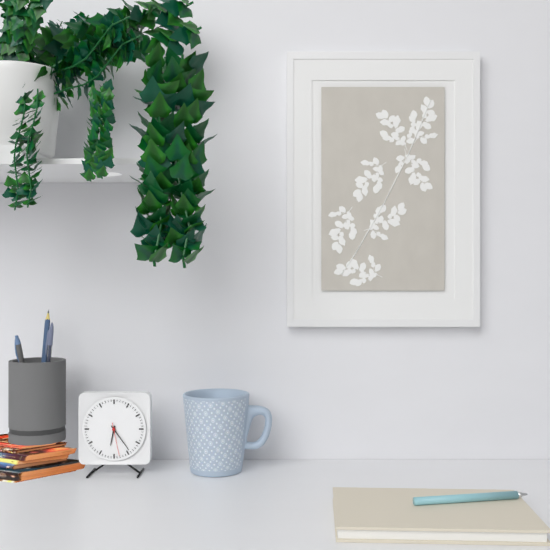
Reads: h=6 m=24
